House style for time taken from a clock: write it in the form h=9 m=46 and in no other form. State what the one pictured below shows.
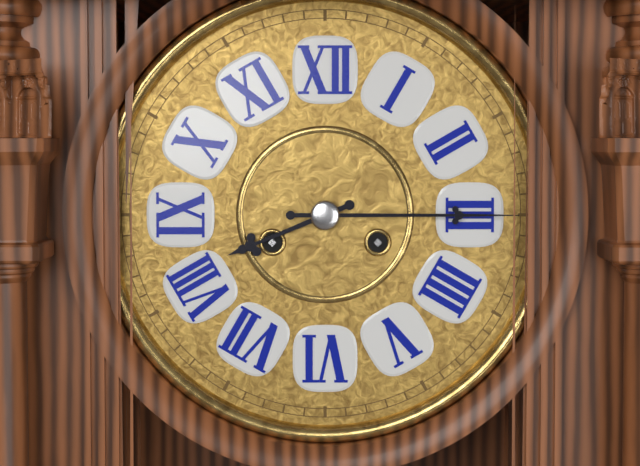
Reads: h=8 m=15
